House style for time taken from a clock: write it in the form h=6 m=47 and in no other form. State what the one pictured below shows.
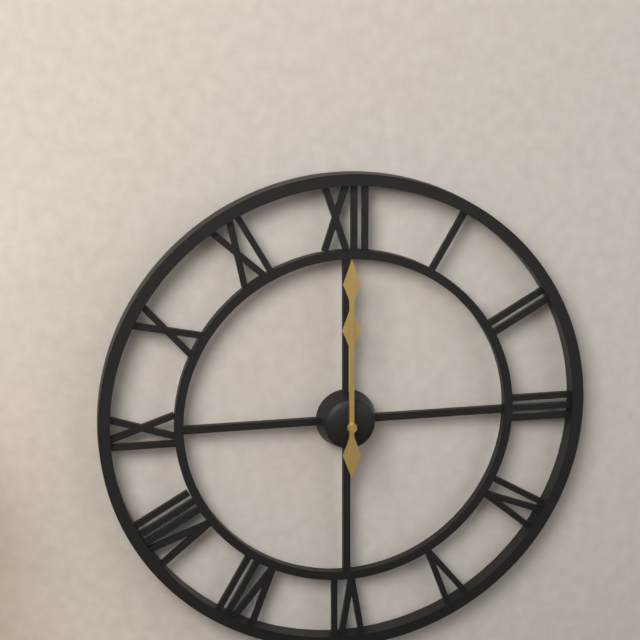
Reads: h=12 m=0
